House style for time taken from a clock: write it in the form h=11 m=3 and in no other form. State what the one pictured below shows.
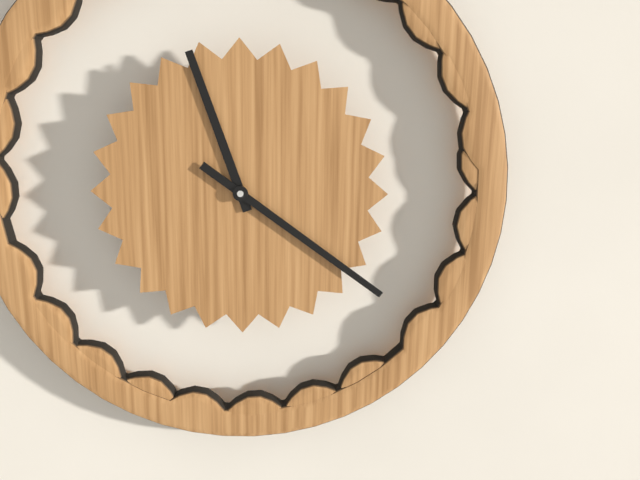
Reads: h=11 m=21
